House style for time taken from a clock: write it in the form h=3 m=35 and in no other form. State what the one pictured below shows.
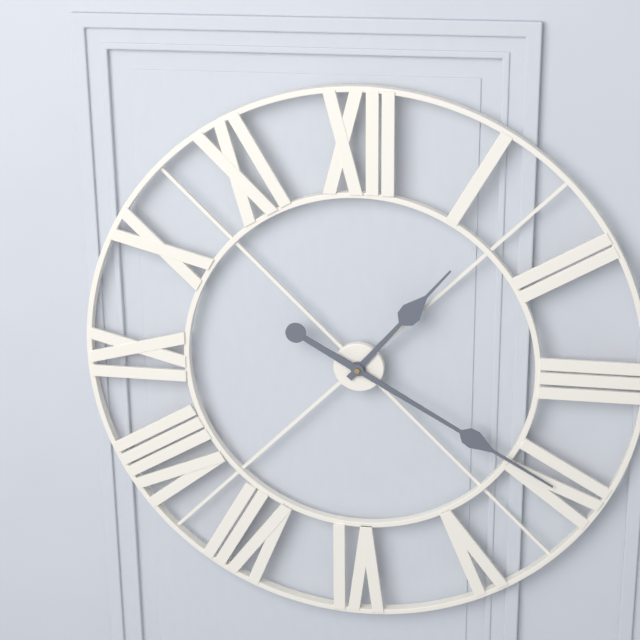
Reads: h=1 m=20
